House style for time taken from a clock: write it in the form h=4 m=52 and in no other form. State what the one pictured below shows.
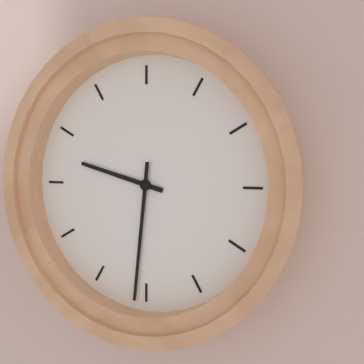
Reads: h=9 m=31
